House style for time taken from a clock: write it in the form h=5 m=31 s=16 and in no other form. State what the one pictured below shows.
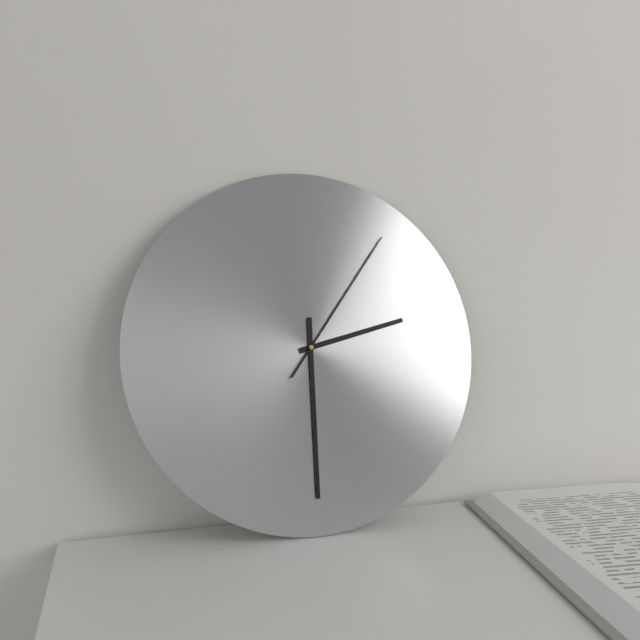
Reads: h=2 m=30 s=6
